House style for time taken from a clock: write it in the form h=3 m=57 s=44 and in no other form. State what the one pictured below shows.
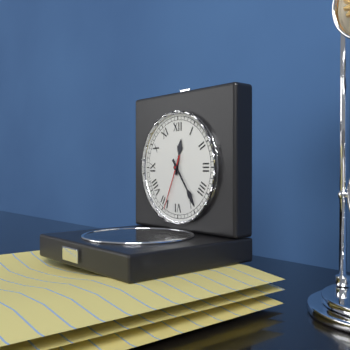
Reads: h=12 m=24 s=34
